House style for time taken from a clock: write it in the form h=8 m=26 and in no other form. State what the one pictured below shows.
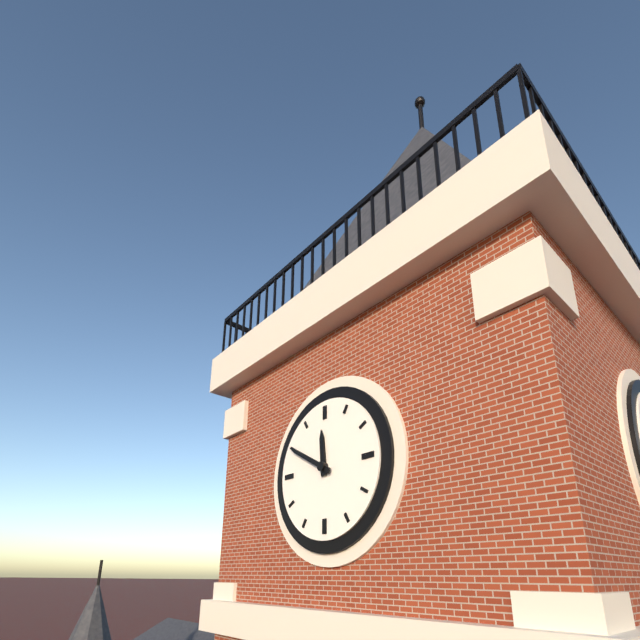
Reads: h=11 m=50
